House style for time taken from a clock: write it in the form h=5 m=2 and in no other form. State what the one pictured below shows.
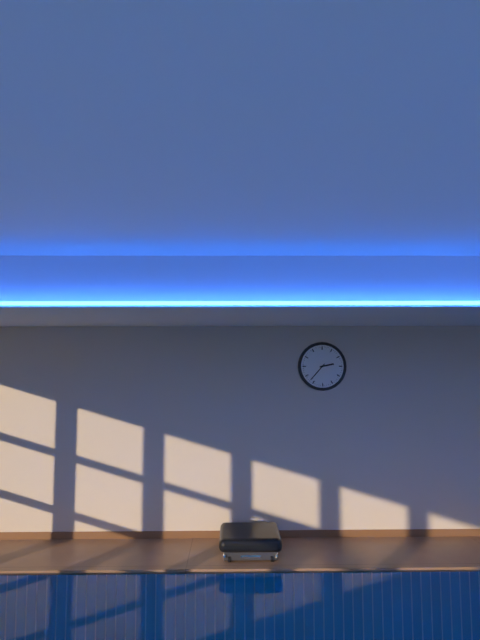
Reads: h=2 m=37
